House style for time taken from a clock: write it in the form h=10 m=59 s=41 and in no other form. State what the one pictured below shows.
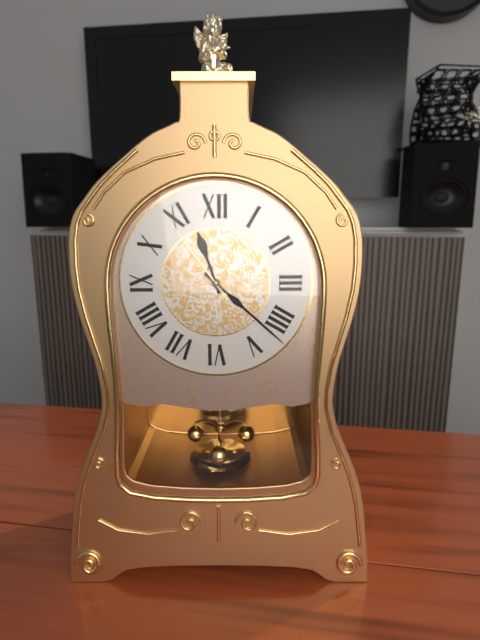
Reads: h=11 m=22 s=54
